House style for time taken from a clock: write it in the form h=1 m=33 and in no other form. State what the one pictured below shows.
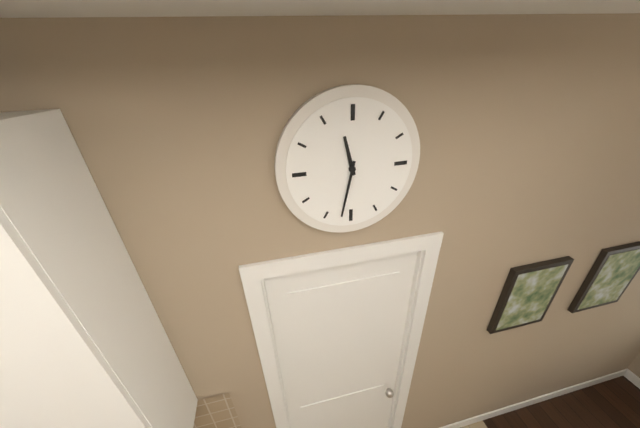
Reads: h=11 m=32
